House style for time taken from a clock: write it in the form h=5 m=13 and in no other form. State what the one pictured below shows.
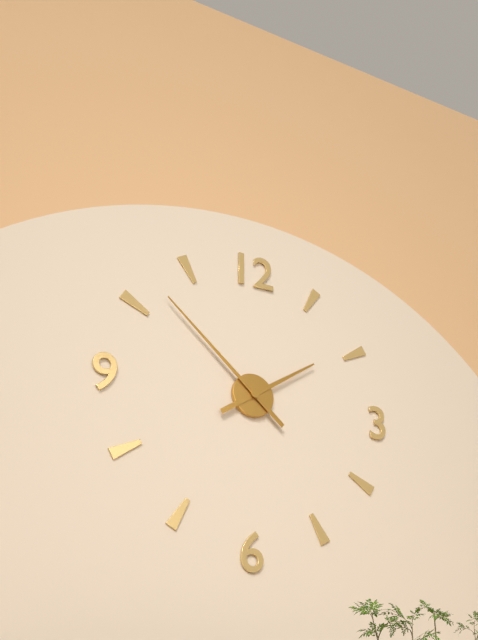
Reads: h=1 m=52
